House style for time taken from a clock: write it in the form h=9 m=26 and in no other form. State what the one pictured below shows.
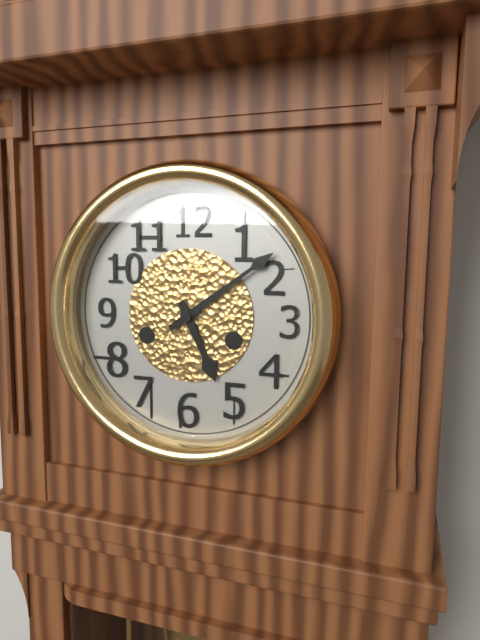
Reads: h=5 m=9
